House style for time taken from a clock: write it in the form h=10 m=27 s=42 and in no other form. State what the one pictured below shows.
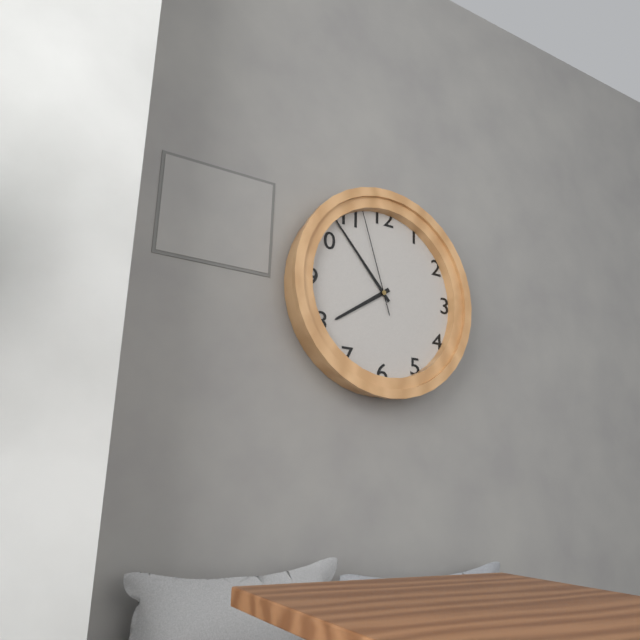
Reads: h=7 m=53 s=57
